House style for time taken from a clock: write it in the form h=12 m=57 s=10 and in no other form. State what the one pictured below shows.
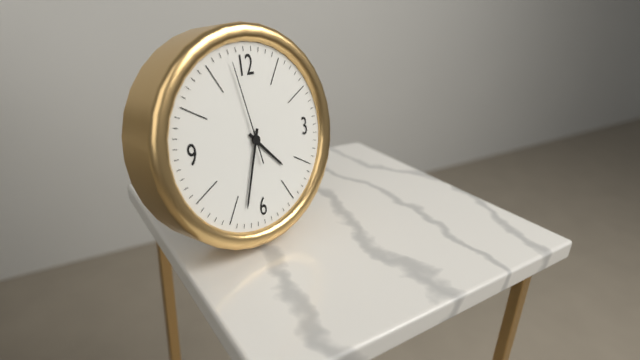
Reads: h=4 m=33 s=58
